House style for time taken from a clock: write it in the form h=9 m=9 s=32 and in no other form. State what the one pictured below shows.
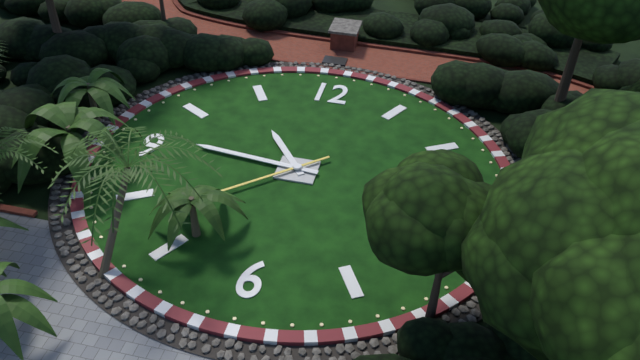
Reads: h=10 m=46 s=38
